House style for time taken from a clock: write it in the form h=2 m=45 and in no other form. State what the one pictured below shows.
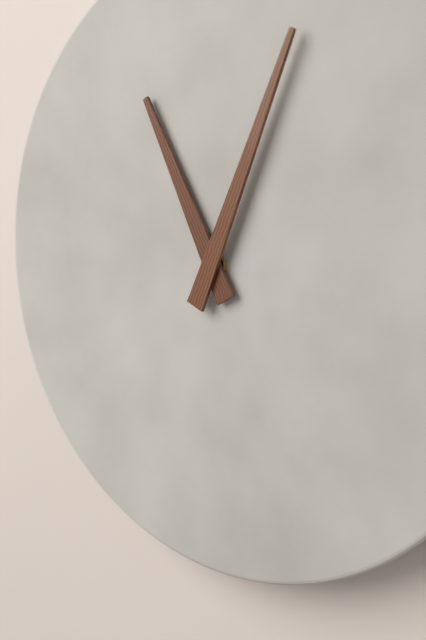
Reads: h=11 m=4
